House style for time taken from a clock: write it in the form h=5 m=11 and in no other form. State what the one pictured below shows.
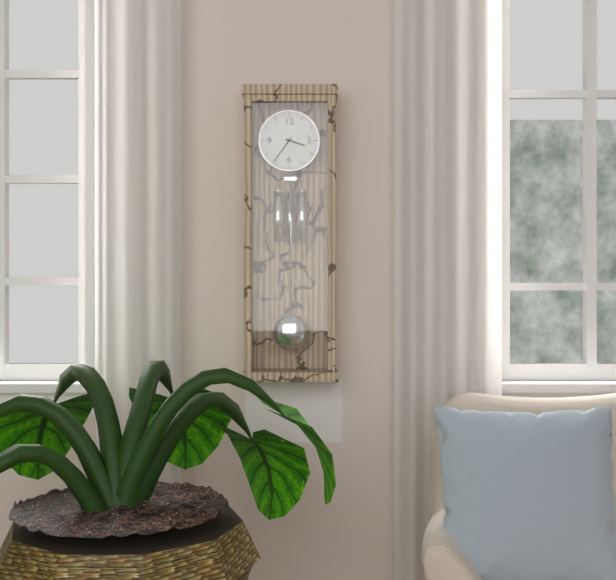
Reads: h=3 m=36
